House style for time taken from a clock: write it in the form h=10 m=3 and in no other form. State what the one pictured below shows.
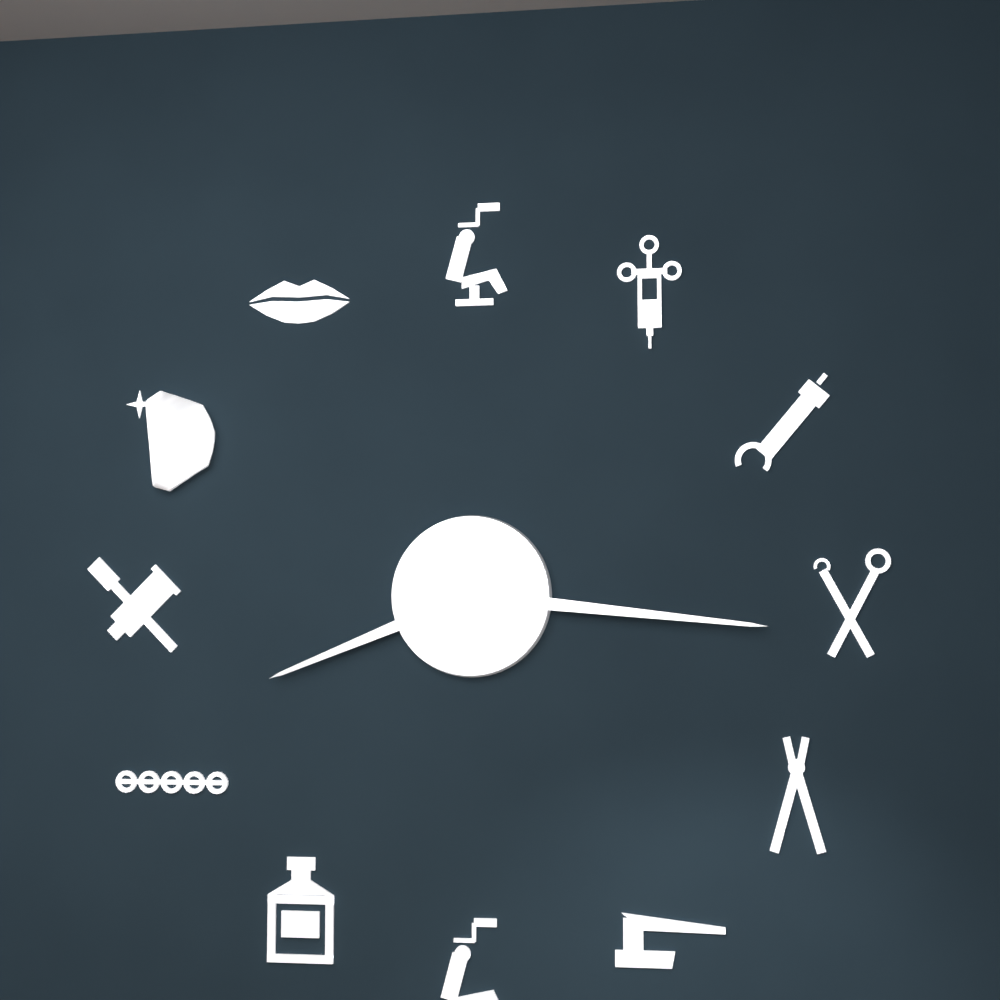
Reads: h=8 m=16
